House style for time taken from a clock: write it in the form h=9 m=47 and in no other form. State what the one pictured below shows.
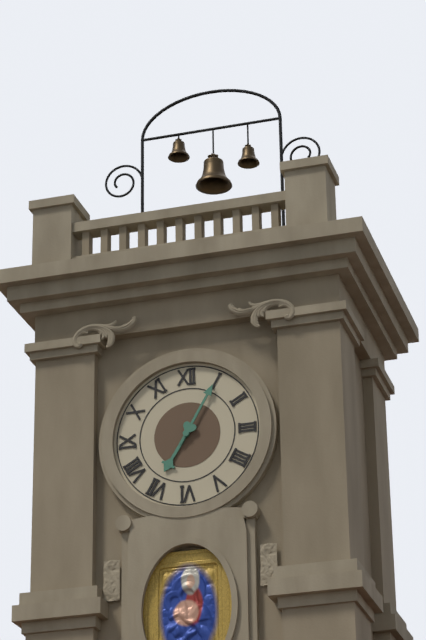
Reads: h=7 m=5
